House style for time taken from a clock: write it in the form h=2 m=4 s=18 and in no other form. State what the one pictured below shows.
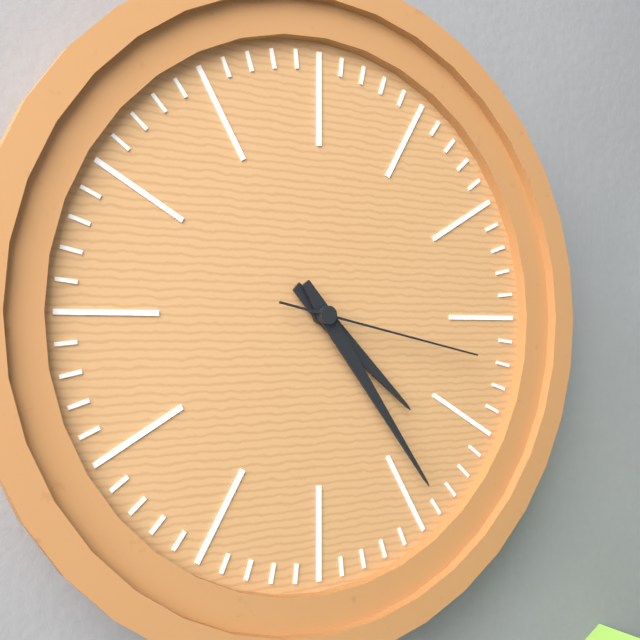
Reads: h=4 m=24 s=17
